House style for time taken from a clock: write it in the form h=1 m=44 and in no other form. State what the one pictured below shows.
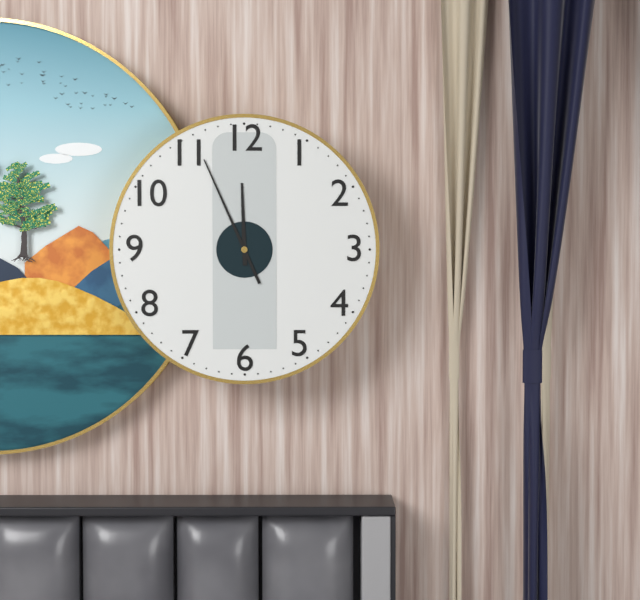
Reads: h=11 m=56
